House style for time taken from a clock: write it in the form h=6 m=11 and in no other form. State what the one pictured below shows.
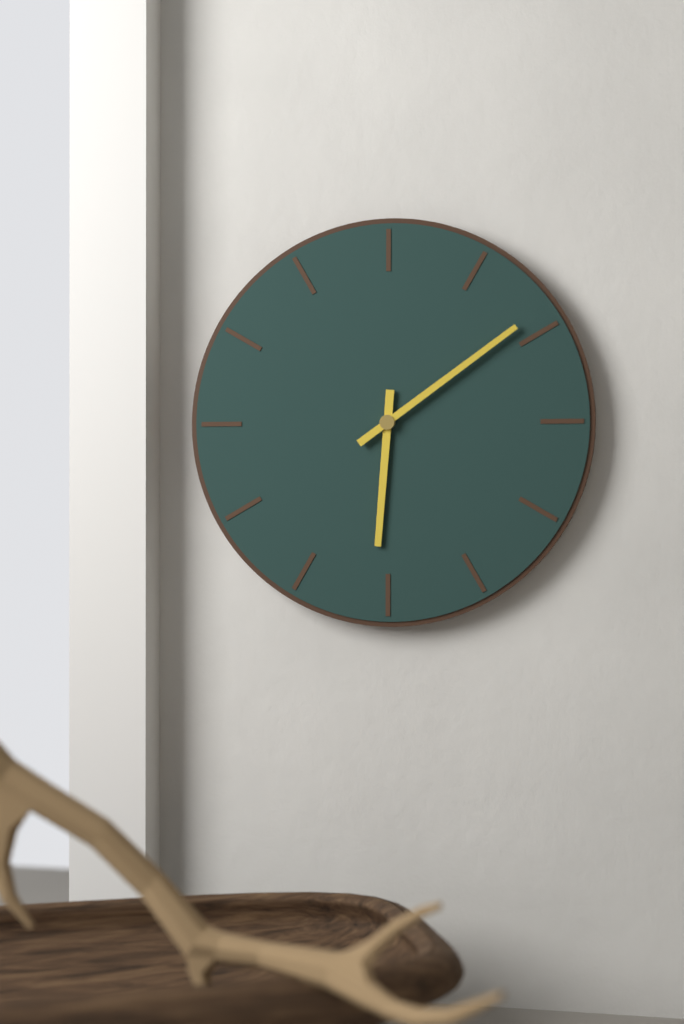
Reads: h=6 m=9
